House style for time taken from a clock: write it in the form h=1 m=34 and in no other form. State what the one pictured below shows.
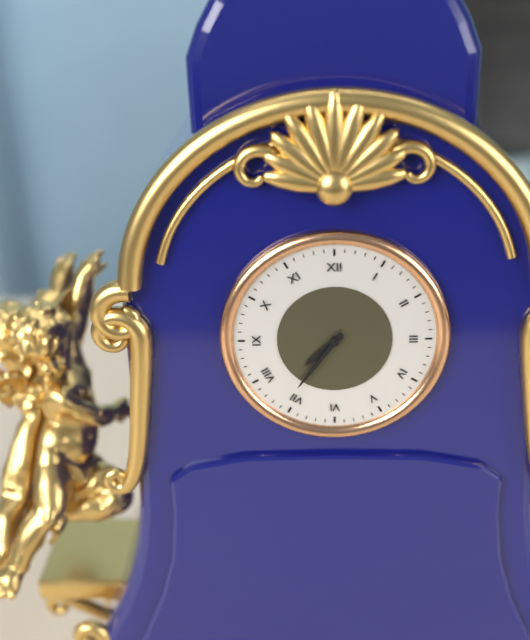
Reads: h=7 m=36
